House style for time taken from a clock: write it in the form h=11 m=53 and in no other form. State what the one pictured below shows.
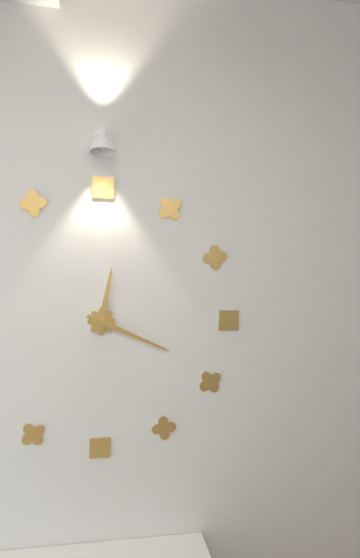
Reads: h=12 m=19
